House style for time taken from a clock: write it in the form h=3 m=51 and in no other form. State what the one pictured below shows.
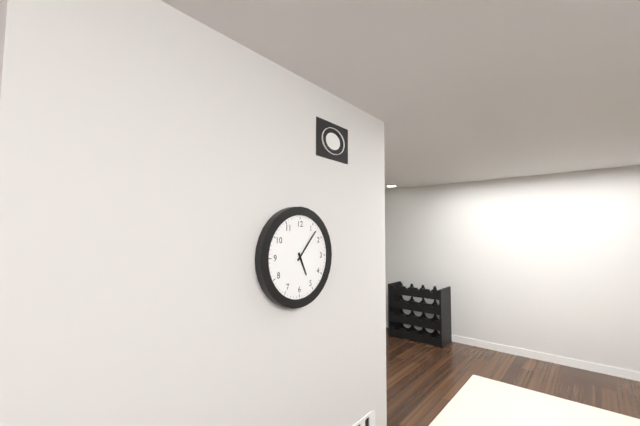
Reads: h=5 m=7
